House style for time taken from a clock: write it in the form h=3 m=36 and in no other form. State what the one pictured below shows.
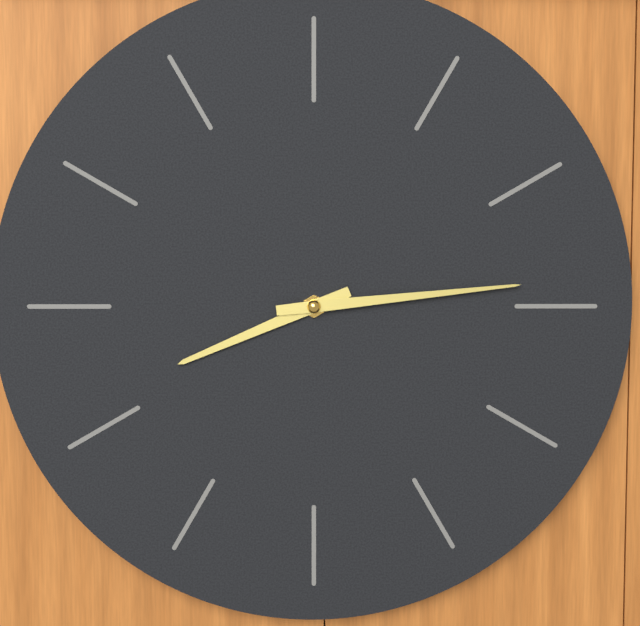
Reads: h=8 m=14
